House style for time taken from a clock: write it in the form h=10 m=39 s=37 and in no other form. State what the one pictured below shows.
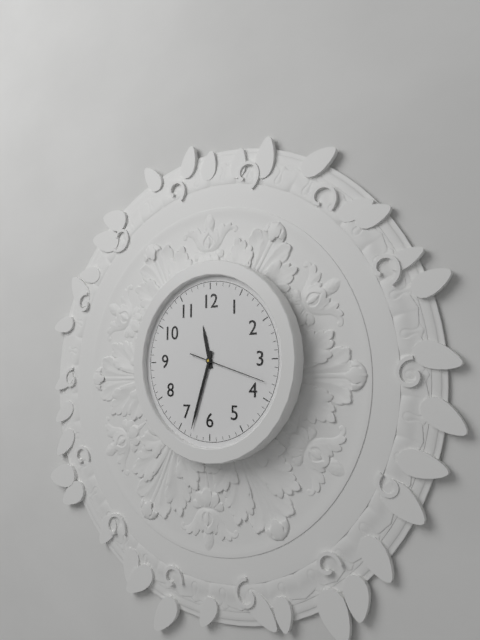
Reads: h=11 m=33 s=18
